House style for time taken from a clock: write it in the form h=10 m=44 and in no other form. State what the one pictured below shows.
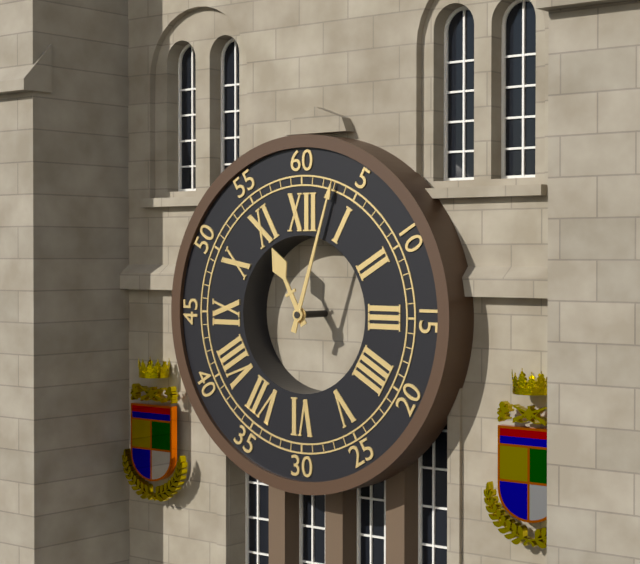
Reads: h=11 m=3
